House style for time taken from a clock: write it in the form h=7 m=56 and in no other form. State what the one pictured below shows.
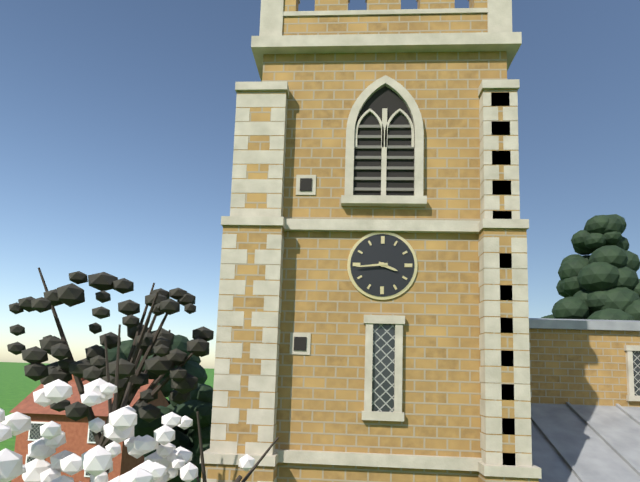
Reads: h=3 m=44
